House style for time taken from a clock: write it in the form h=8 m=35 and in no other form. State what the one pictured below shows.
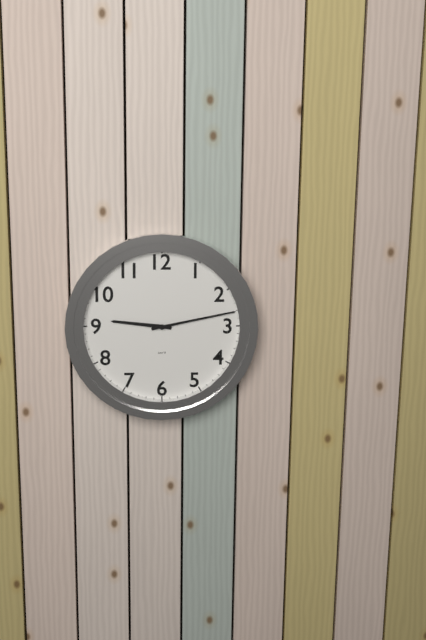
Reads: h=9 m=13
